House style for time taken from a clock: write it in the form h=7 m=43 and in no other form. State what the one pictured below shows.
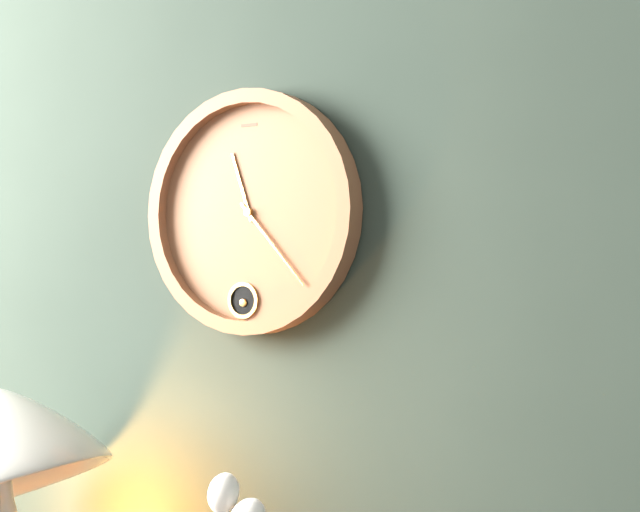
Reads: h=11 m=23
